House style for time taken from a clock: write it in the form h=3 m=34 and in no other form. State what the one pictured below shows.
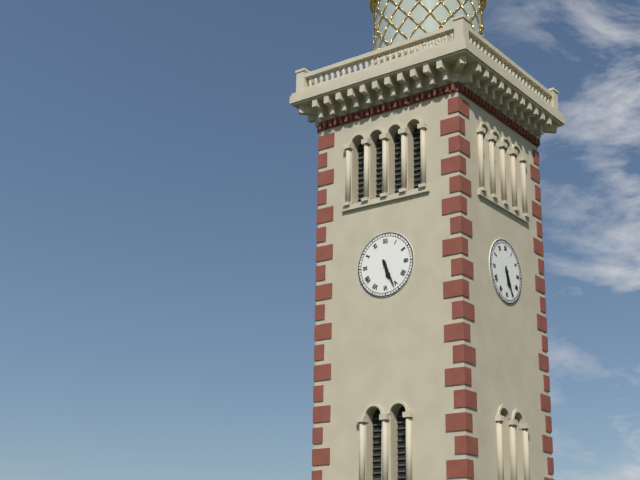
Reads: h=5 m=26
